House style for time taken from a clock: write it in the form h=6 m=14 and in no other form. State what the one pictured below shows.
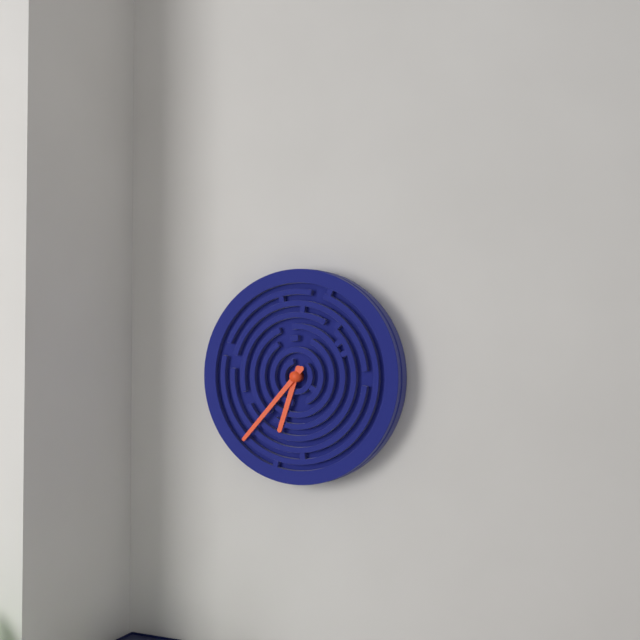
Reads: h=6 m=37
